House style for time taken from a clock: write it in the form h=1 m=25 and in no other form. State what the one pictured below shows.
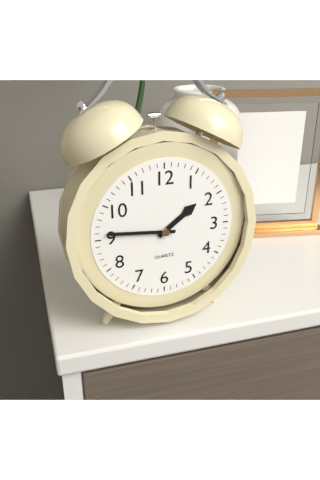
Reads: h=1 m=46
